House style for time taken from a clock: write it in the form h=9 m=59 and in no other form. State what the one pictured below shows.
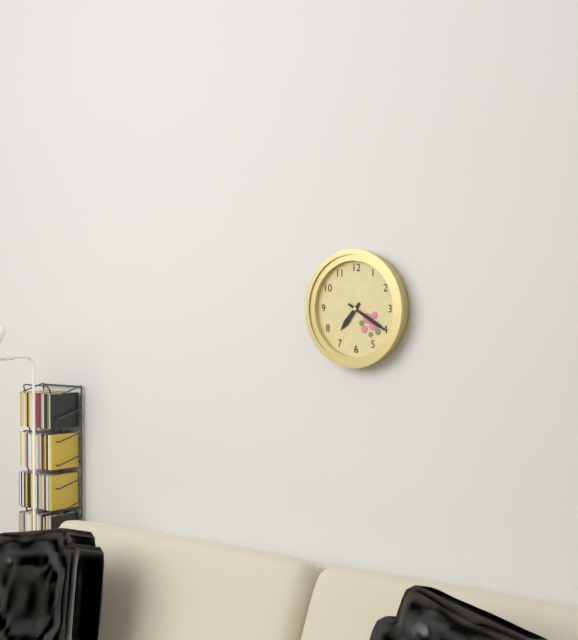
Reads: h=7 m=20
